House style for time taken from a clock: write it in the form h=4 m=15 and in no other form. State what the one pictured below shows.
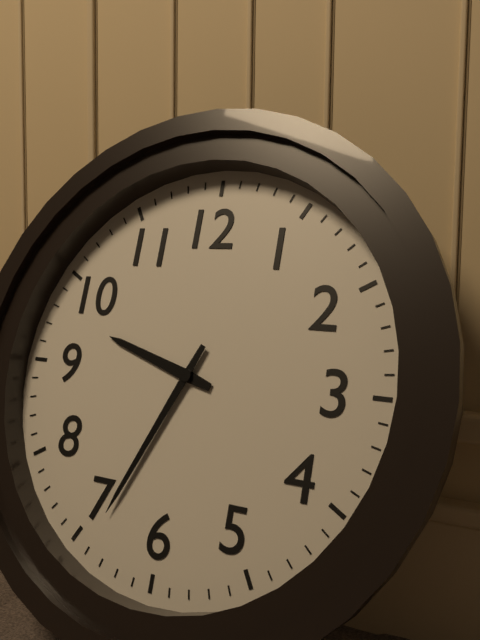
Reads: h=9 m=34
